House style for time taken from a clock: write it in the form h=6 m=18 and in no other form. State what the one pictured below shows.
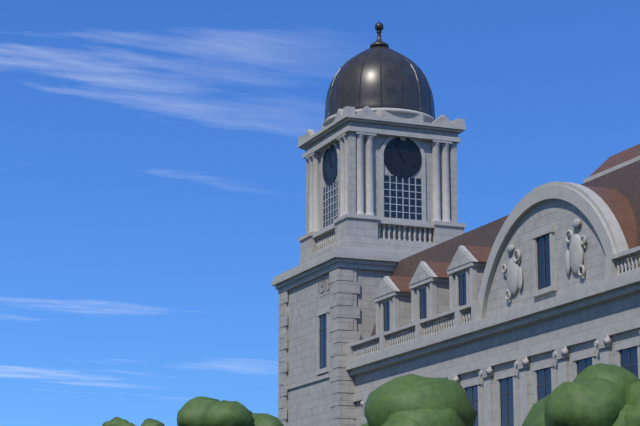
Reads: h=10 m=56
